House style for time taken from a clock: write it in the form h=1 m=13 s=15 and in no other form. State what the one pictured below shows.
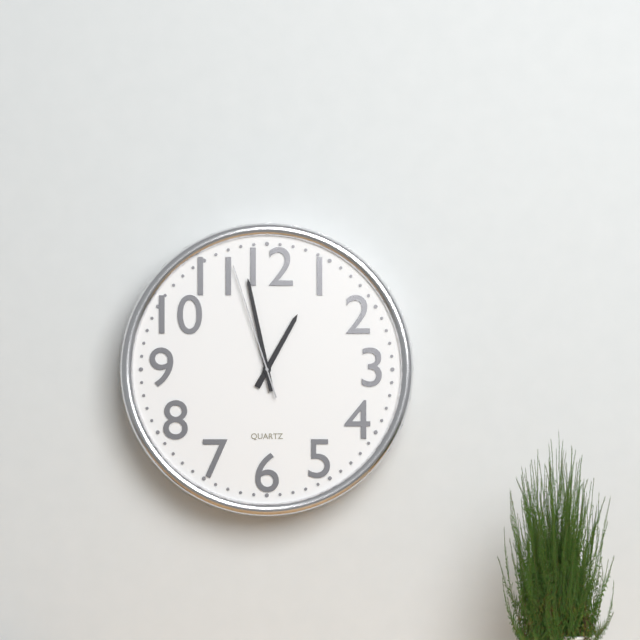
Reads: h=12 m=58 s=57
